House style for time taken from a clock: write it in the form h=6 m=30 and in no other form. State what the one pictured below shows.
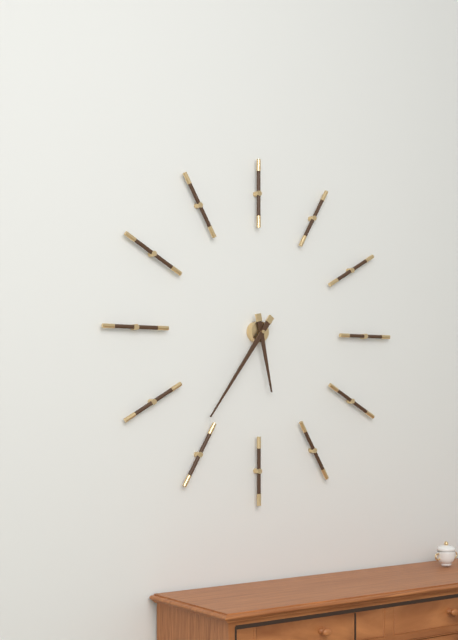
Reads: h=5 m=36
